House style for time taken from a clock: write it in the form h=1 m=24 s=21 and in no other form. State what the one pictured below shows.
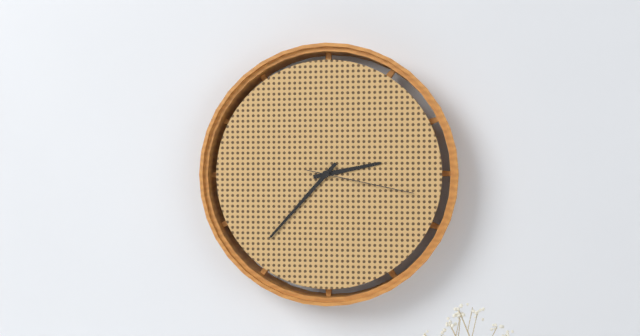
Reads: h=2 m=37 s=17
